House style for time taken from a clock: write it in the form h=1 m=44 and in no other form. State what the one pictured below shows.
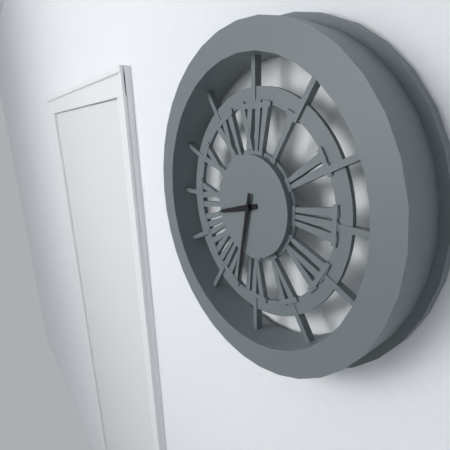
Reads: h=8 m=32
